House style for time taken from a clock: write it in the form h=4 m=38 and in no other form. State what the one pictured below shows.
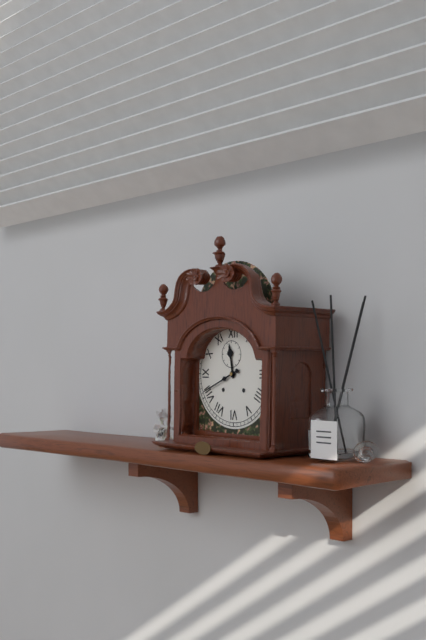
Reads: h=11 m=41
